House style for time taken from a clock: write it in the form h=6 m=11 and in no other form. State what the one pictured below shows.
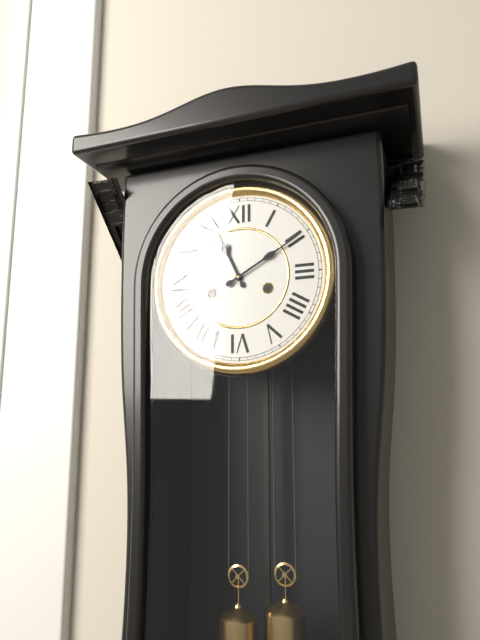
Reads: h=11 m=10
